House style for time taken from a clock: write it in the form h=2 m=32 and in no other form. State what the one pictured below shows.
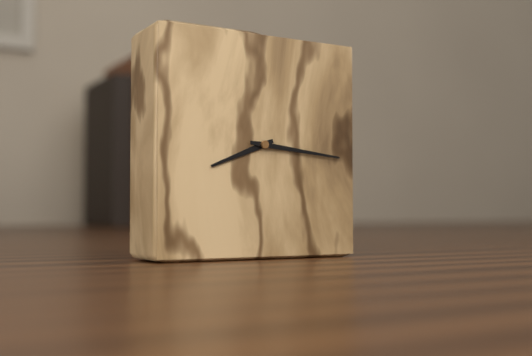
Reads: h=8 m=16
